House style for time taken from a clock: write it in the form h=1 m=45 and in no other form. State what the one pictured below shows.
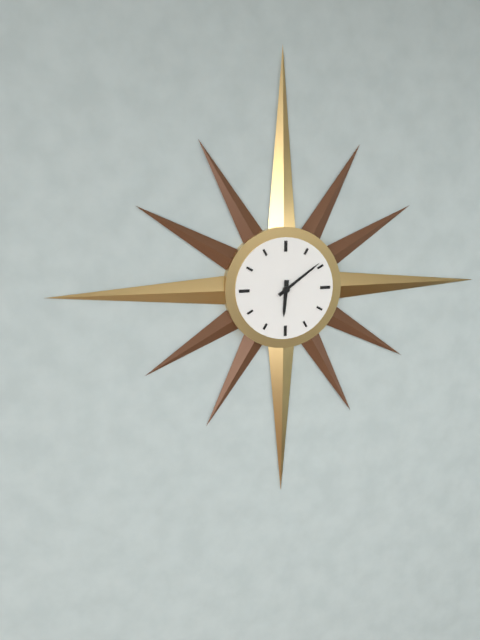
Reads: h=6 m=9
